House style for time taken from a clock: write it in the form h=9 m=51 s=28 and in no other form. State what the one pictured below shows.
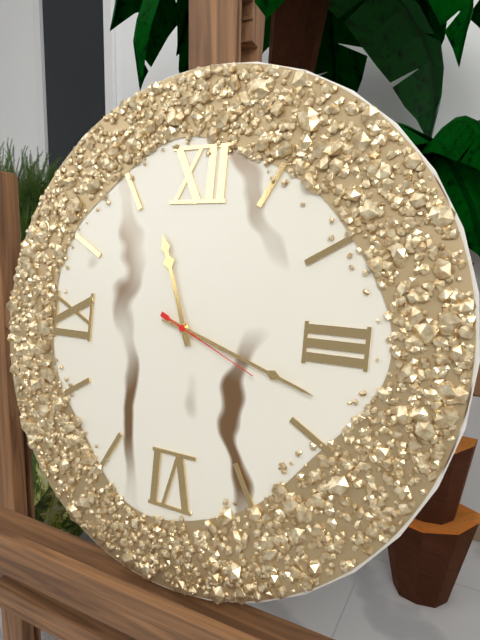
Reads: h=11 m=18 s=19
